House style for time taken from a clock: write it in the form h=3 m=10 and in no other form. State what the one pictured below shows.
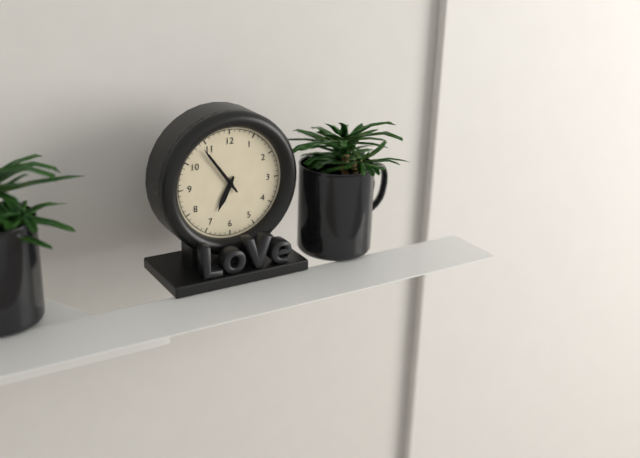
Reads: h=6 m=54
